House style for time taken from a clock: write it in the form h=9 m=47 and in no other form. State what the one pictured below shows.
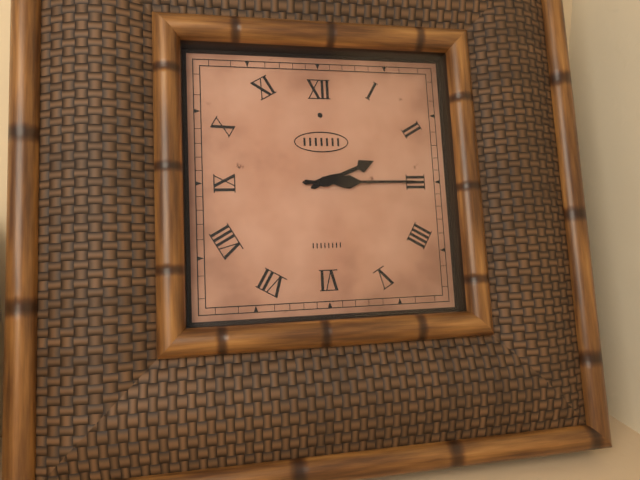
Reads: h=2 m=15
